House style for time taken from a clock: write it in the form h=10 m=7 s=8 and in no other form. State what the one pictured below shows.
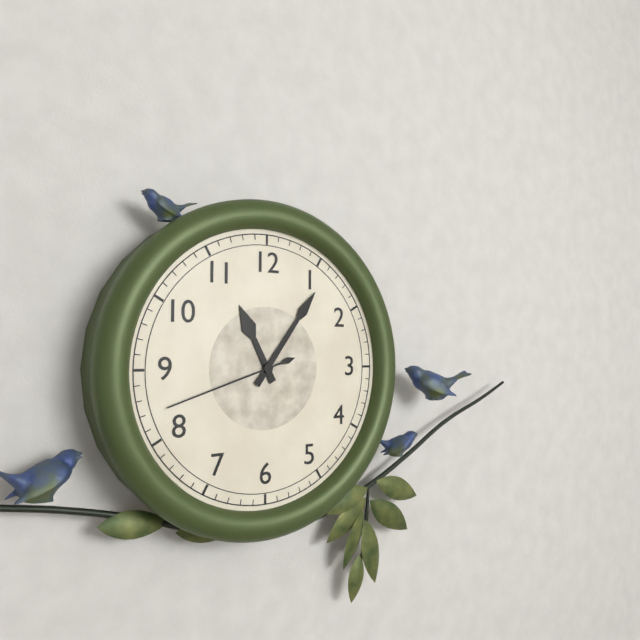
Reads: h=11 m=6 s=42
